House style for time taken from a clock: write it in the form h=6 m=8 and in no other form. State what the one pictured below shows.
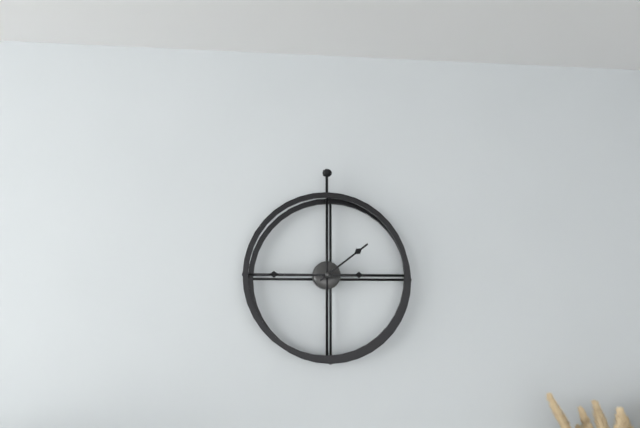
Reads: h=1 m=45
